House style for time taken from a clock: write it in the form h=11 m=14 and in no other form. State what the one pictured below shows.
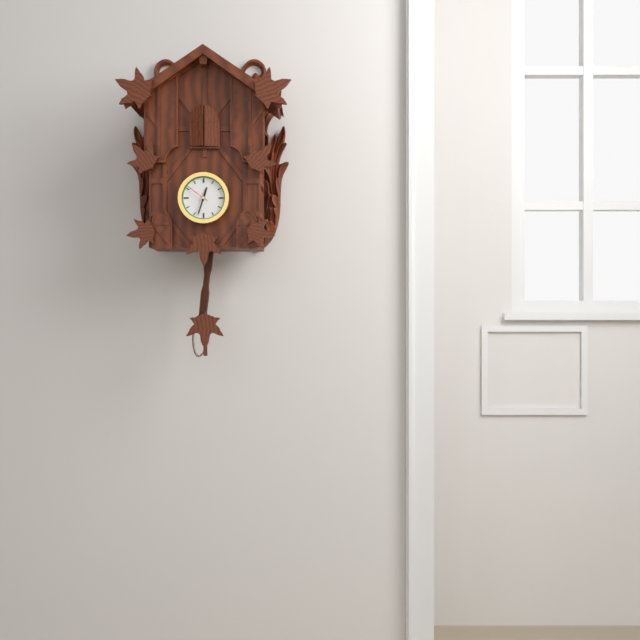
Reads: h=12 m=33
